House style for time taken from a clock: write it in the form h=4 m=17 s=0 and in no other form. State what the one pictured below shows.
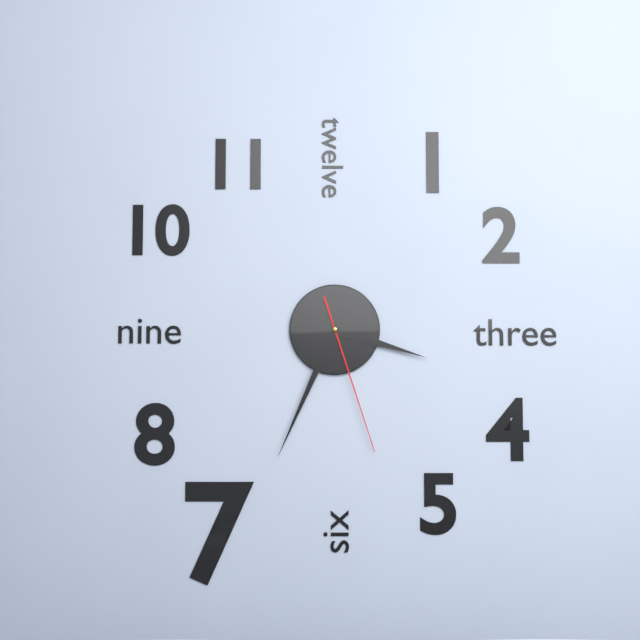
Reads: h=3 m=34 s=27
